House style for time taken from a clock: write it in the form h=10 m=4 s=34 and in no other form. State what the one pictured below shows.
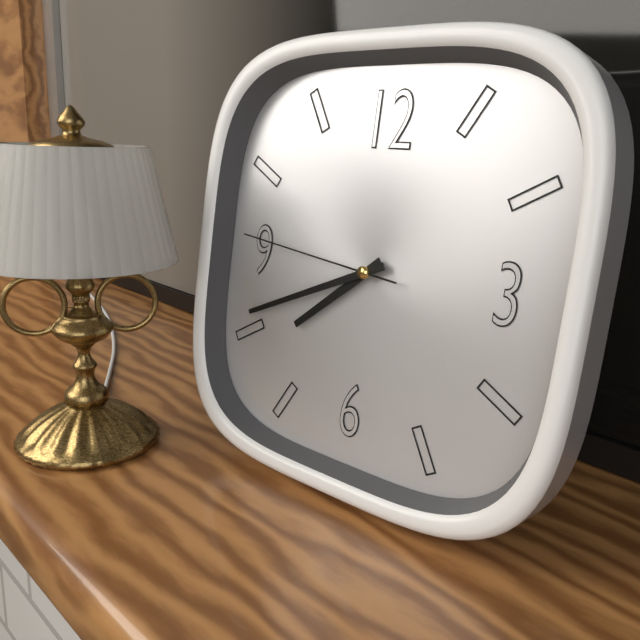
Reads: h=7 m=41 s=46
